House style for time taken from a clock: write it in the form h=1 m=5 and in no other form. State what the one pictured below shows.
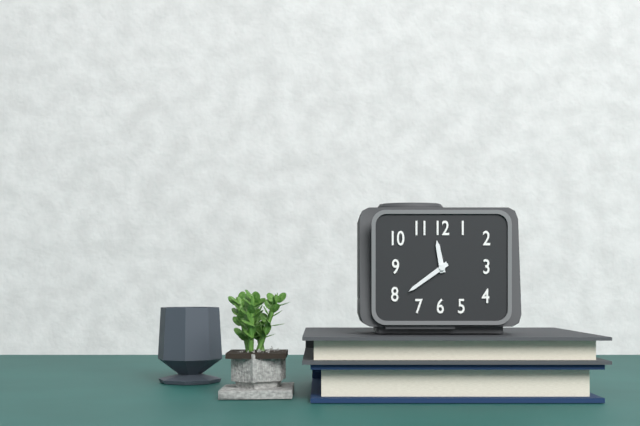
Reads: h=11 m=39
